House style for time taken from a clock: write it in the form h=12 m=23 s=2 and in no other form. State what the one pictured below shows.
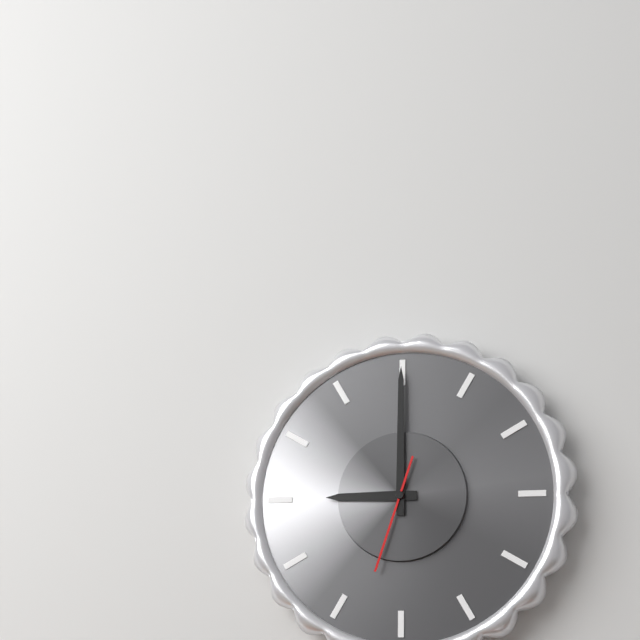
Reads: h=9 m=0 s=33
